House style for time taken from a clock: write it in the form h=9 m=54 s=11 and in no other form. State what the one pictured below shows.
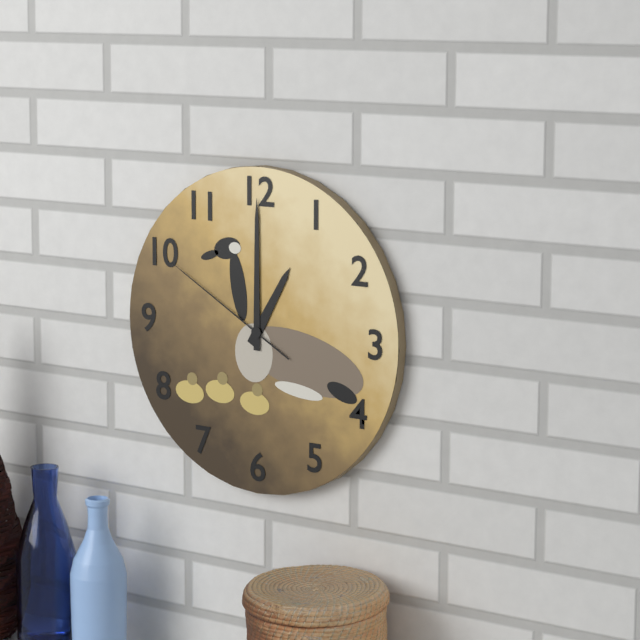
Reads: h=1 m=0 s=50
